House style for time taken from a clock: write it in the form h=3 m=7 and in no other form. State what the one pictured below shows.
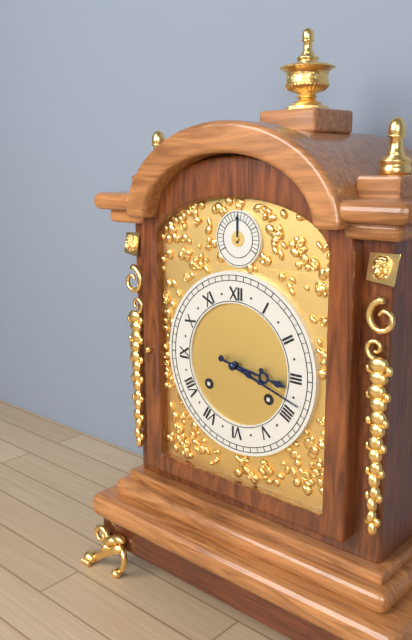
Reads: h=3 m=18
